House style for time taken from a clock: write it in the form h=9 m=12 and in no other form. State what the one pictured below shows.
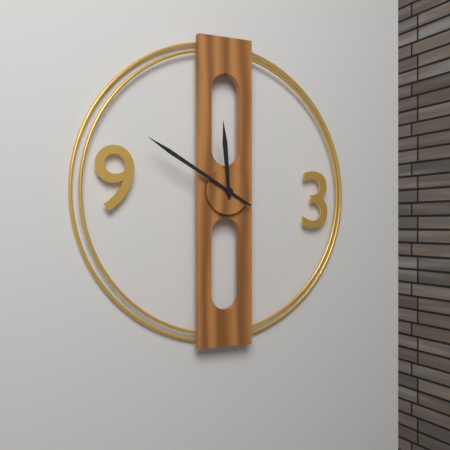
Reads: h=11 m=50
